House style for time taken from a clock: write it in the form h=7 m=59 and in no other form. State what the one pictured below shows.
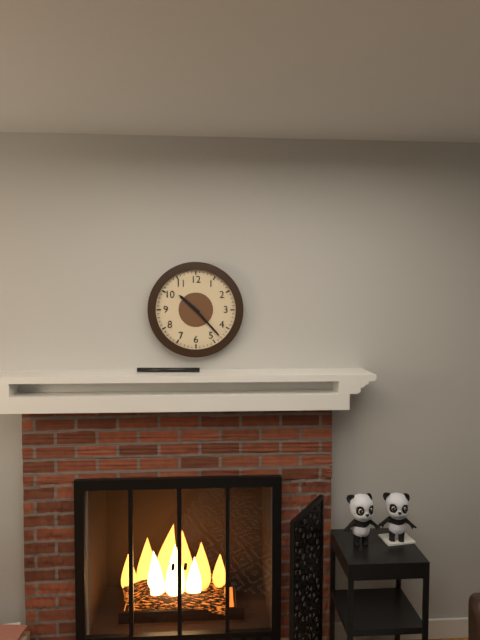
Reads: h=10 m=23
